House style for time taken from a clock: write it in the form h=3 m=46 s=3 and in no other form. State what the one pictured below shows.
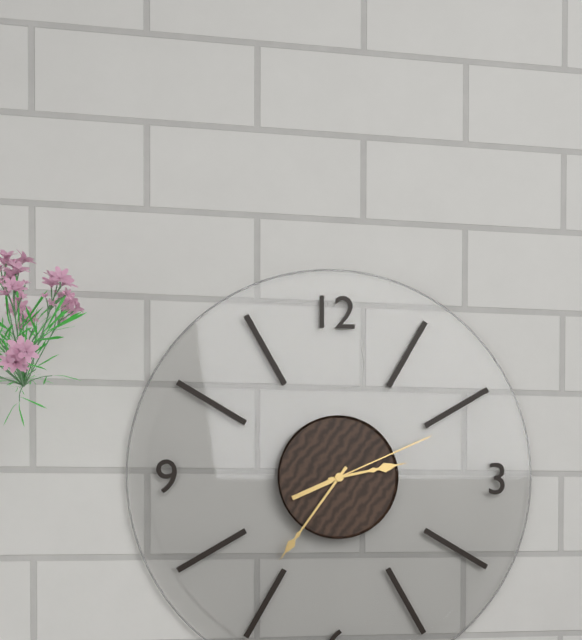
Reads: h=2 m=36 s=11
